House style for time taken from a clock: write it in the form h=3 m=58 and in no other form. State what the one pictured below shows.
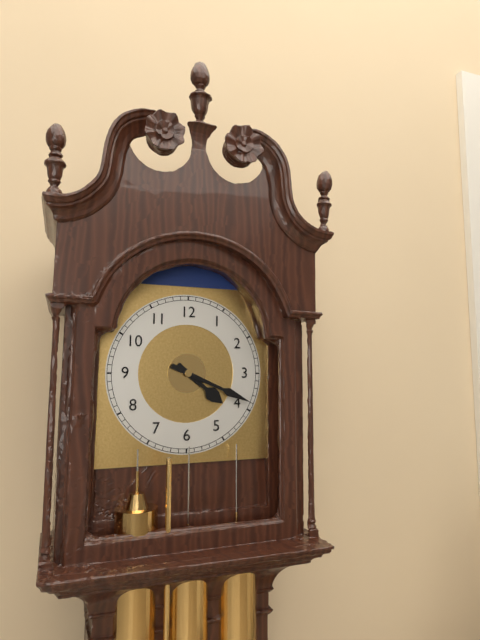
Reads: h=4 m=19
